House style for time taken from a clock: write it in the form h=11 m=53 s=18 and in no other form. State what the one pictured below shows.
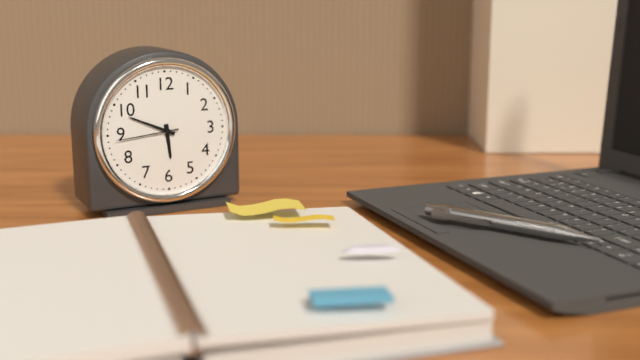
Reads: h=5 m=49 s=44
